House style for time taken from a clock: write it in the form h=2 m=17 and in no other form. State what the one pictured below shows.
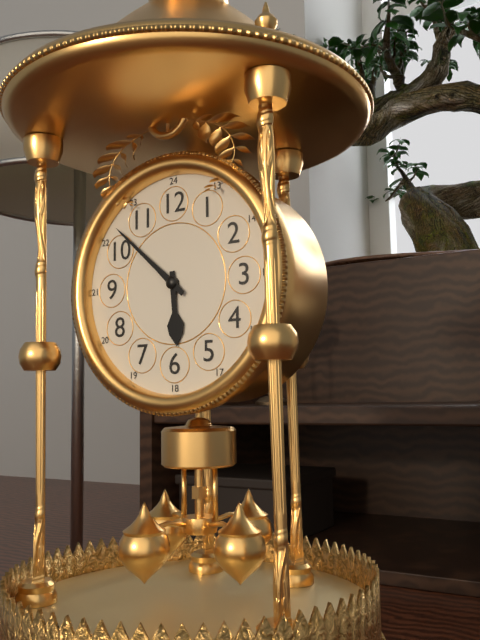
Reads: h=5 m=52
